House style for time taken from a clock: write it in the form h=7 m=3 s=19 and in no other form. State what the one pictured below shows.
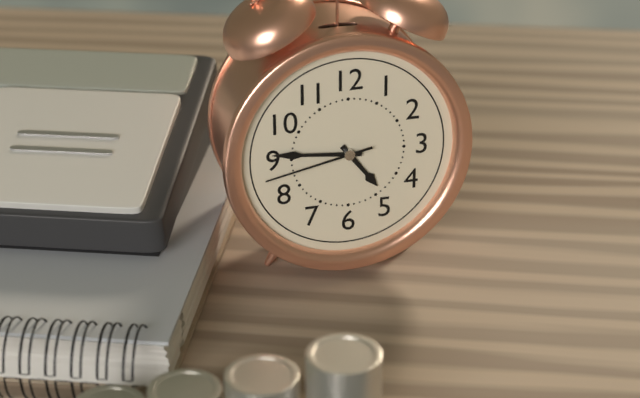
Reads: h=4 m=46 s=43
